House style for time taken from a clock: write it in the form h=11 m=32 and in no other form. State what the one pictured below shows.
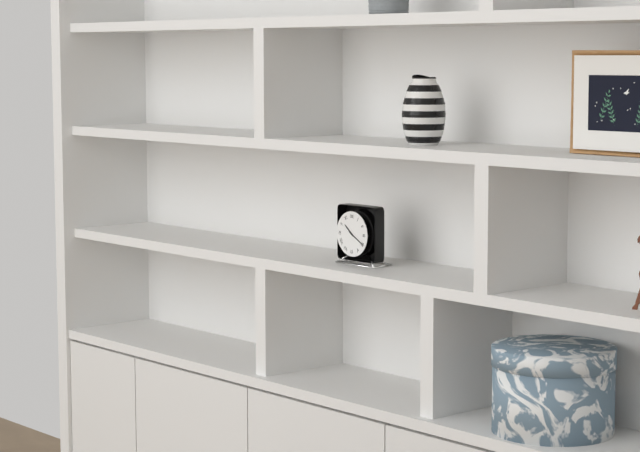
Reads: h=10 m=20
